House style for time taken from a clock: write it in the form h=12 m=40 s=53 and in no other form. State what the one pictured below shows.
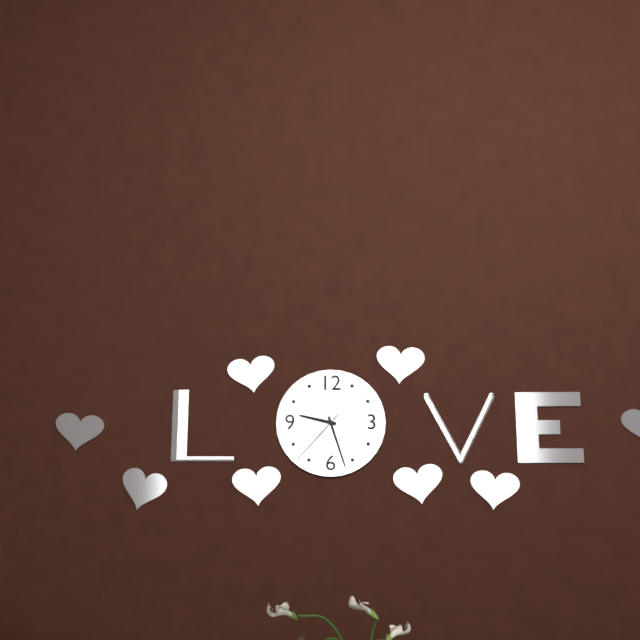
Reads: h=9 m=27 s=37
